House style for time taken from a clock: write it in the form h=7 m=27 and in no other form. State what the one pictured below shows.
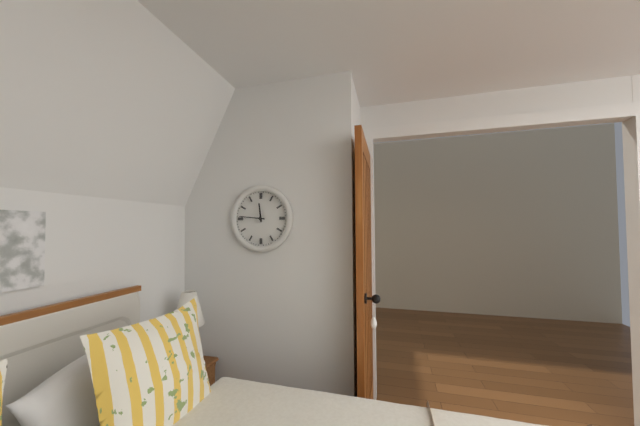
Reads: h=11 m=46
